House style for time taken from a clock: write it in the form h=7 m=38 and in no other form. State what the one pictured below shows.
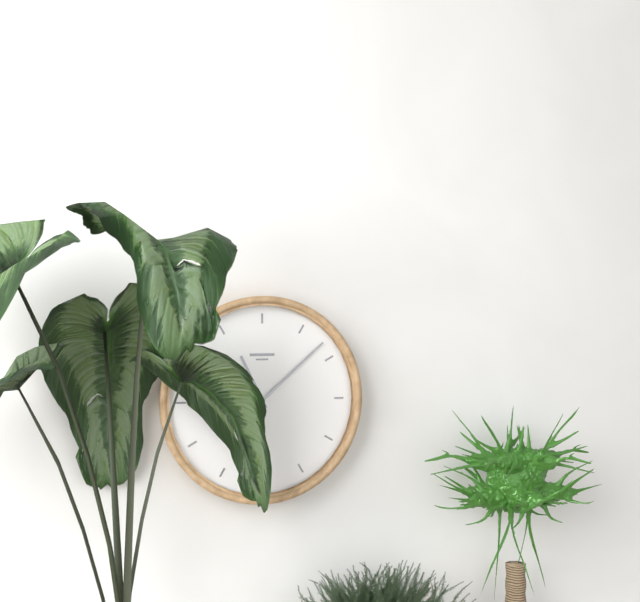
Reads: h=11 m=8
